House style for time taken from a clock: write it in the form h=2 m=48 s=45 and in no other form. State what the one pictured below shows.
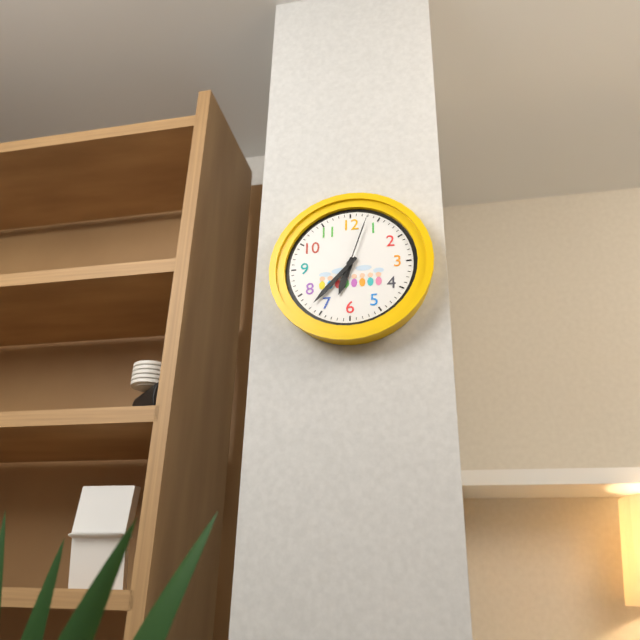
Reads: h=6 m=37 s=3
